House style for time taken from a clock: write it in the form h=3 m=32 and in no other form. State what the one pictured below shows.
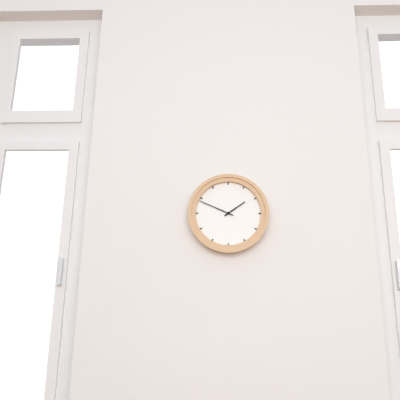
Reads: h=1 m=49
